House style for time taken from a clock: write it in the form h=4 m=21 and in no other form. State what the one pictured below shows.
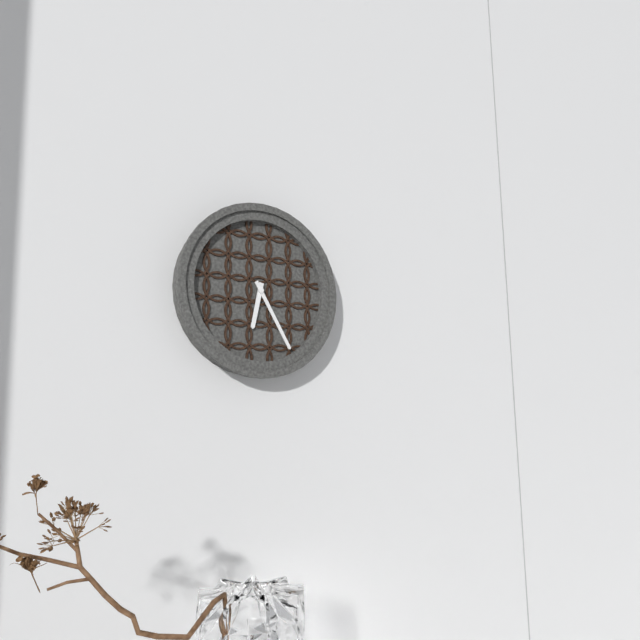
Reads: h=6 m=25
